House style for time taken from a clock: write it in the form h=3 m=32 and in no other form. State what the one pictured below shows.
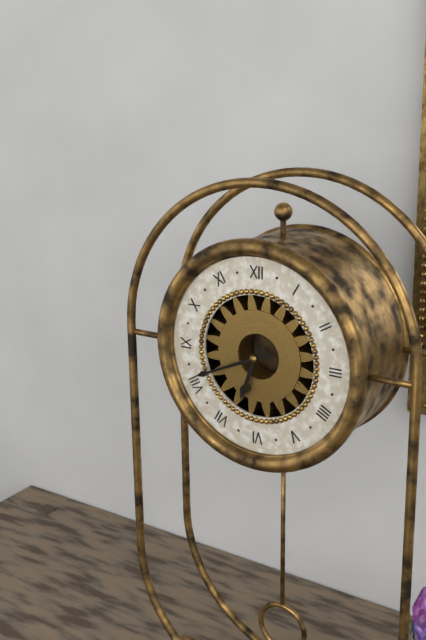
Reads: h=6 m=41
